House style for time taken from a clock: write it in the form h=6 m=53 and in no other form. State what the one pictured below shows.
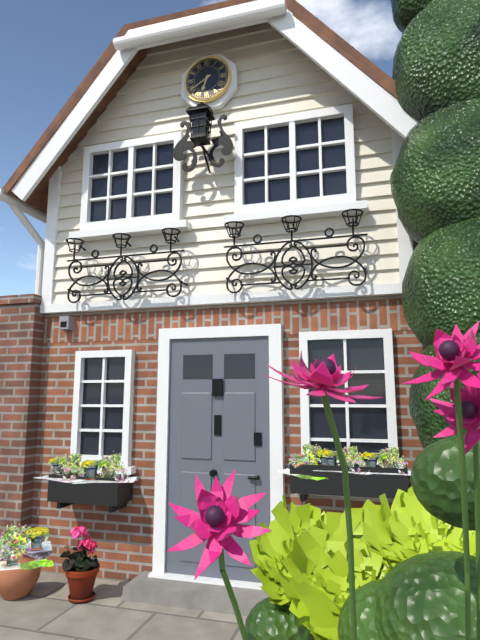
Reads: h=6 m=40
